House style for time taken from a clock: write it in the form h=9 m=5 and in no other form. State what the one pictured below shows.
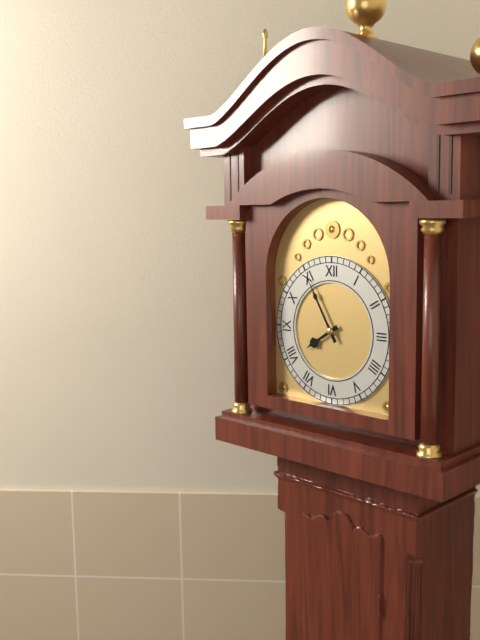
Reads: h=7 m=55
